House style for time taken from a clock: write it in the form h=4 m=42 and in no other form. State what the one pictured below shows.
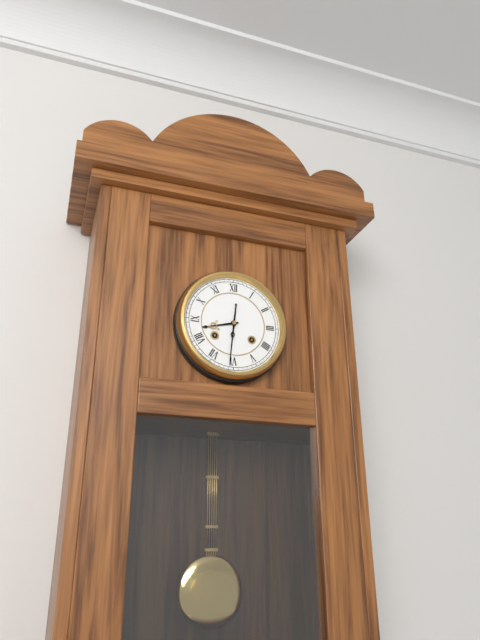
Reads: h=8 m=31
